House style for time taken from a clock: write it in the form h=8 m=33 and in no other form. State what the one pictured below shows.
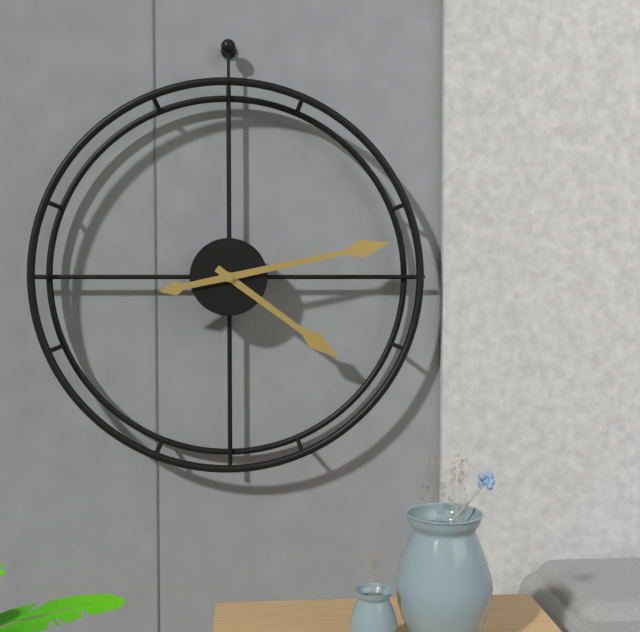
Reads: h=4 m=13
